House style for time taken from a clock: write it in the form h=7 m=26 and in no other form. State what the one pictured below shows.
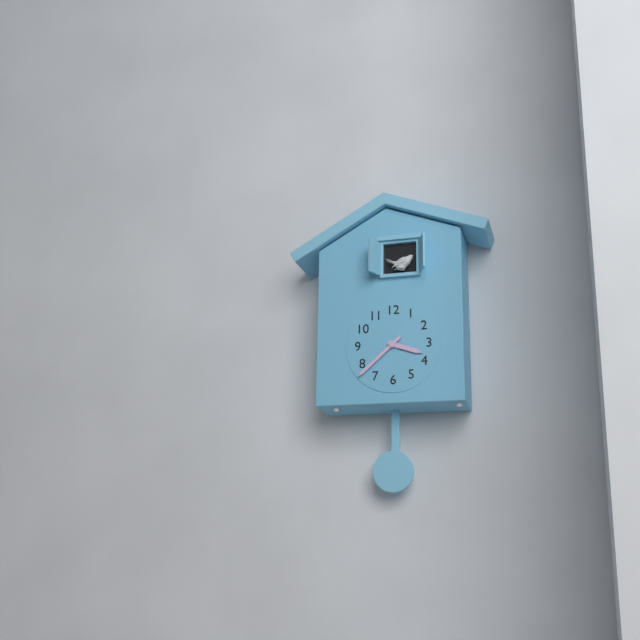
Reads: h=3 m=38
